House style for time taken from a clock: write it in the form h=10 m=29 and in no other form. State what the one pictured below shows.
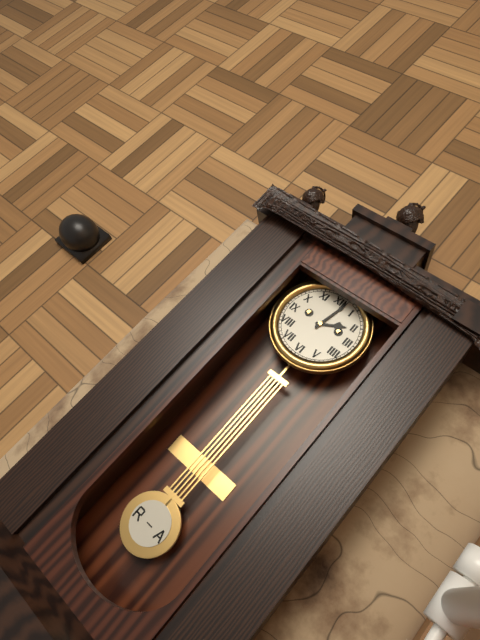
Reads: h=2 m=2
